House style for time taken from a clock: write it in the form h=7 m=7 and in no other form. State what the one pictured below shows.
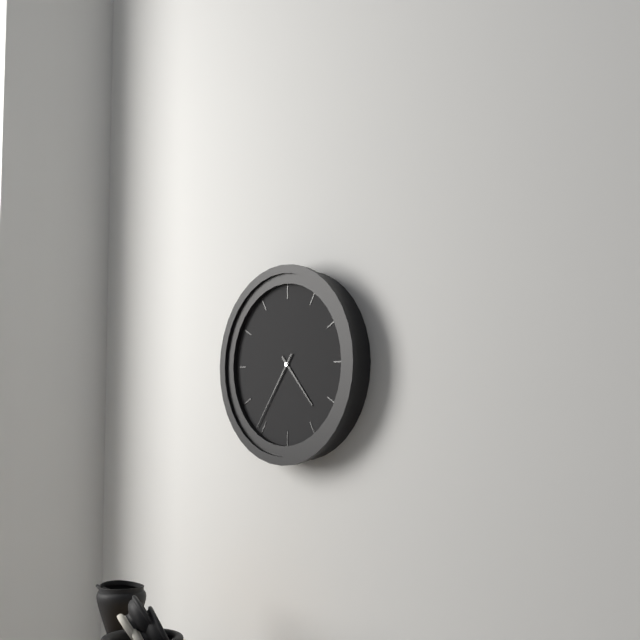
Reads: h=4 m=36
